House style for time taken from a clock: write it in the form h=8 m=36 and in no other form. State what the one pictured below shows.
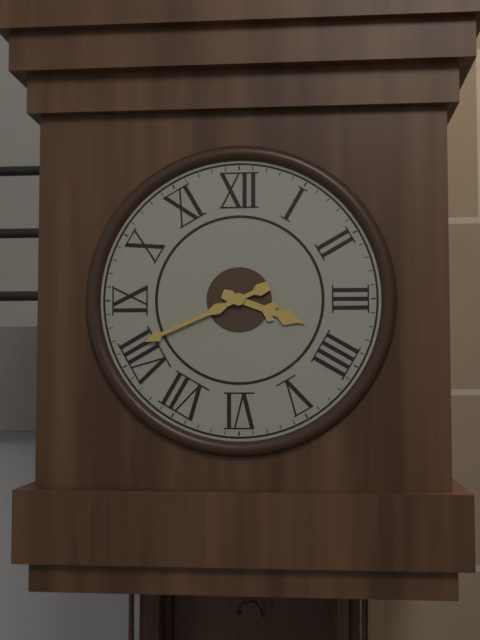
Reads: h=3 m=41
